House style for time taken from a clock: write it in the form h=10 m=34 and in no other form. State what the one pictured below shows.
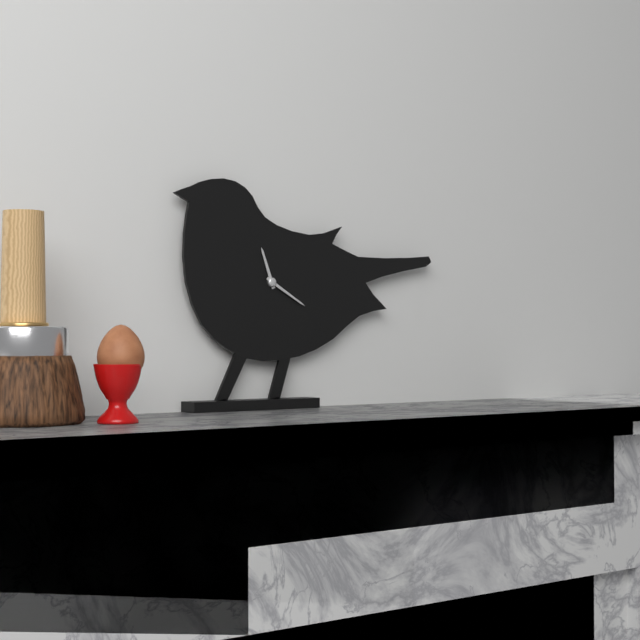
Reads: h=11 m=20
